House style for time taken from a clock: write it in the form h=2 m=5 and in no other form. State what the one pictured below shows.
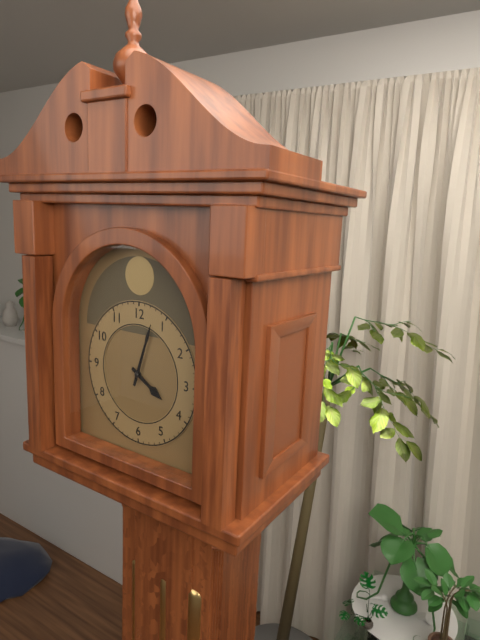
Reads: h=4 m=3
